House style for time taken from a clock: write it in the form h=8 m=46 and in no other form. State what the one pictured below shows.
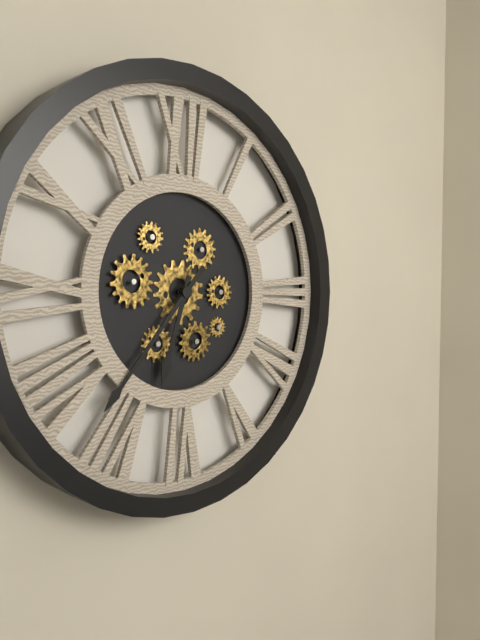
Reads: h=6 m=37
